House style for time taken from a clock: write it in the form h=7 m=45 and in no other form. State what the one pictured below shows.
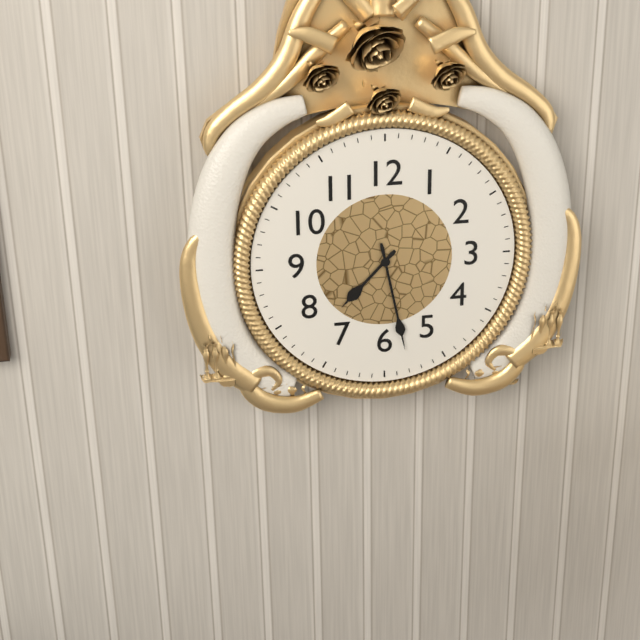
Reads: h=7 m=28
